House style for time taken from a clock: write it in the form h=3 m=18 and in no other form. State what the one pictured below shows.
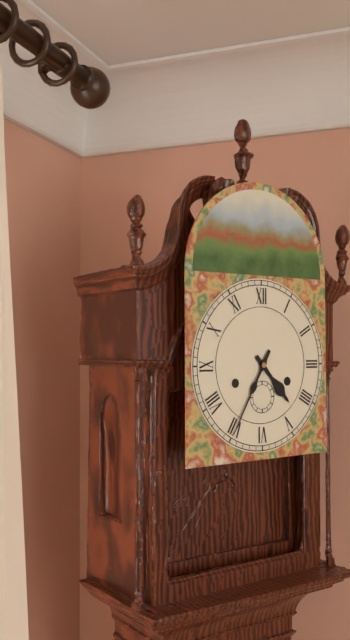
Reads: h=4 m=35
